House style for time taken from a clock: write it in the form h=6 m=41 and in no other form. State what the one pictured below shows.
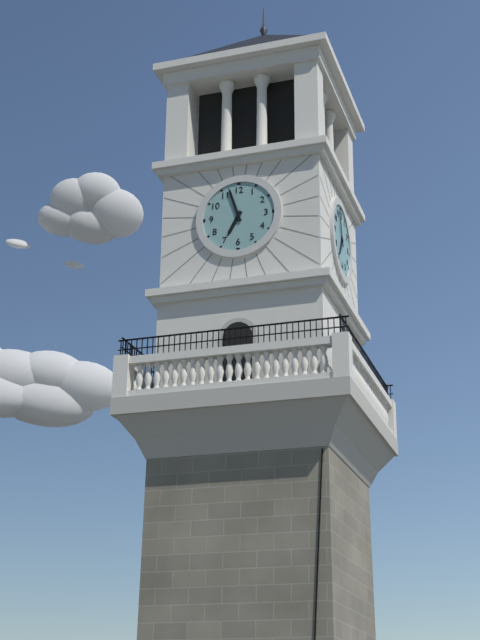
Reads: h=6 m=57
